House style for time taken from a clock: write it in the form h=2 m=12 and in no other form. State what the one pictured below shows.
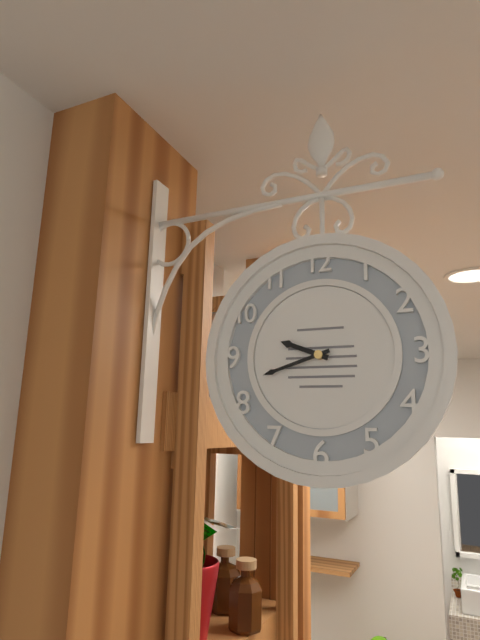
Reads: h=9 m=42
